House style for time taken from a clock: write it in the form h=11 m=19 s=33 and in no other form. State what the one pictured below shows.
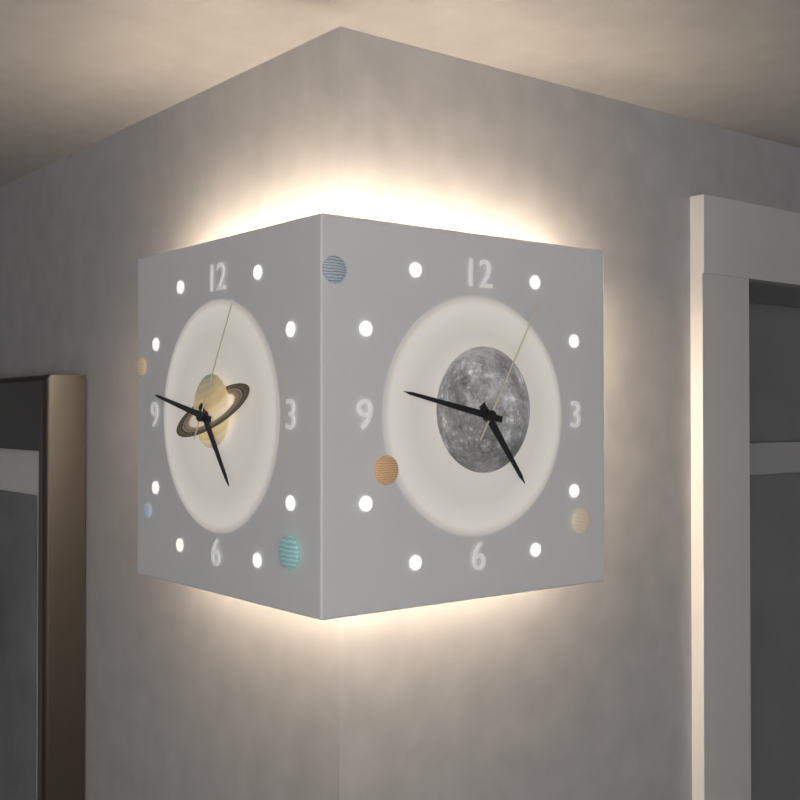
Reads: h=4 m=47 s=5
